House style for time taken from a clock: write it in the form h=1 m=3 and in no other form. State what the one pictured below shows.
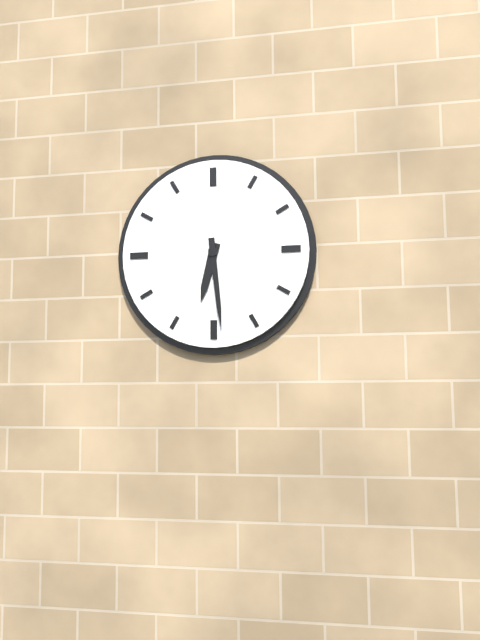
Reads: h=6 m=29
